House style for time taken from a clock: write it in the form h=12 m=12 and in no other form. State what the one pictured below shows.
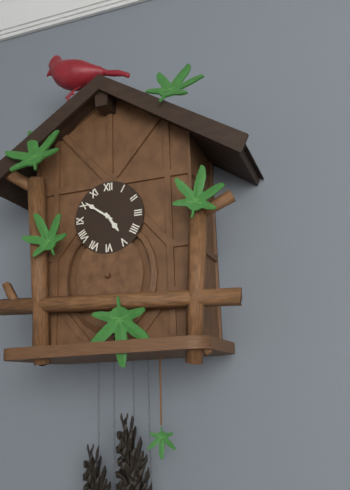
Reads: h=4 m=51
